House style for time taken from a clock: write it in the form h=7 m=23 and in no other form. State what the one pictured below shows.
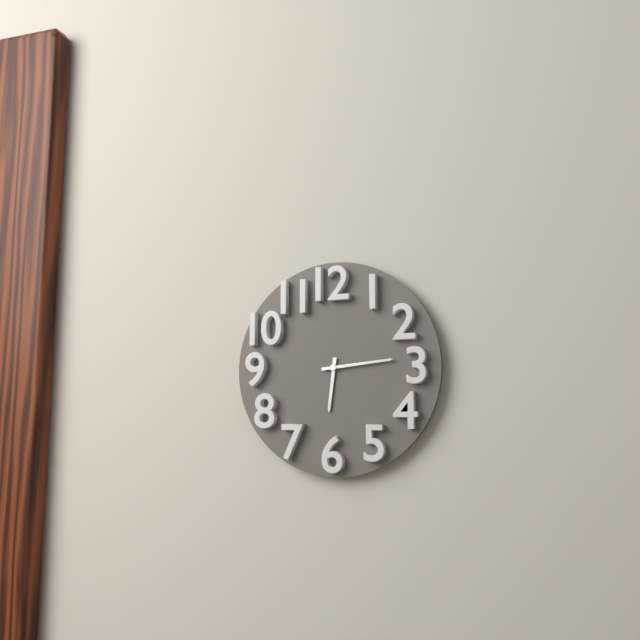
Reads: h=6 m=14
